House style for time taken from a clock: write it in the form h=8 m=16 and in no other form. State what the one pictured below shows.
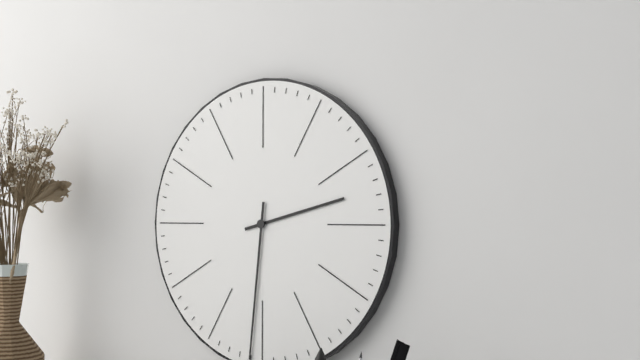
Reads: h=2 m=31
